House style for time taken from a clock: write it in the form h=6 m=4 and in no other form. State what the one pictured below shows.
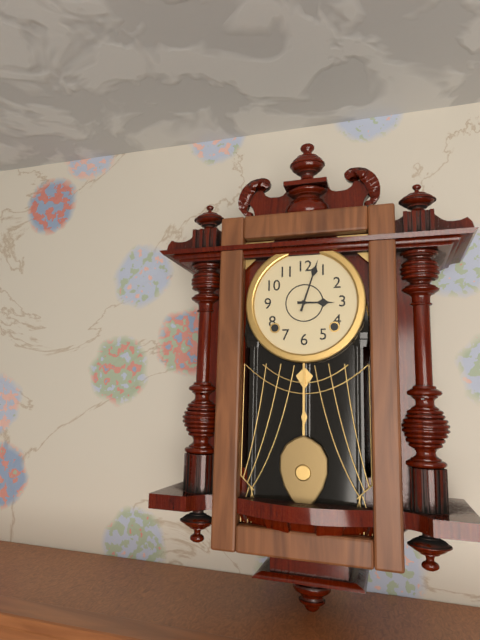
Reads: h=3 m=3
